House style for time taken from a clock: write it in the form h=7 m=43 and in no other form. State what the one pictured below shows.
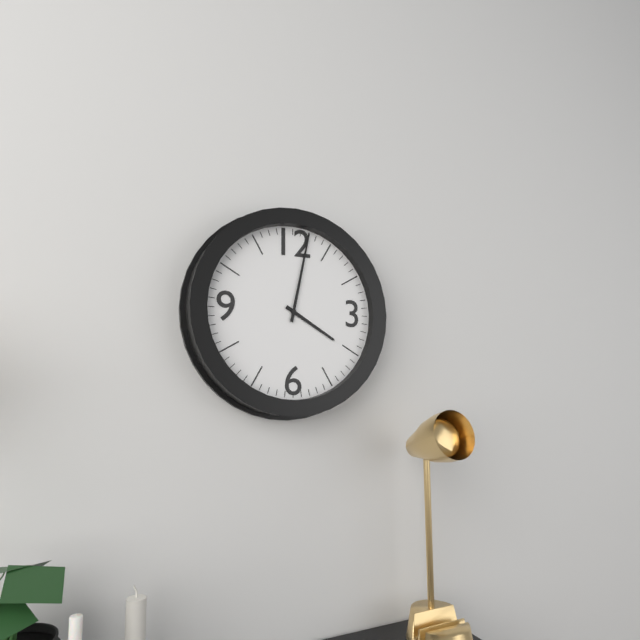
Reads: h=4 m=2
